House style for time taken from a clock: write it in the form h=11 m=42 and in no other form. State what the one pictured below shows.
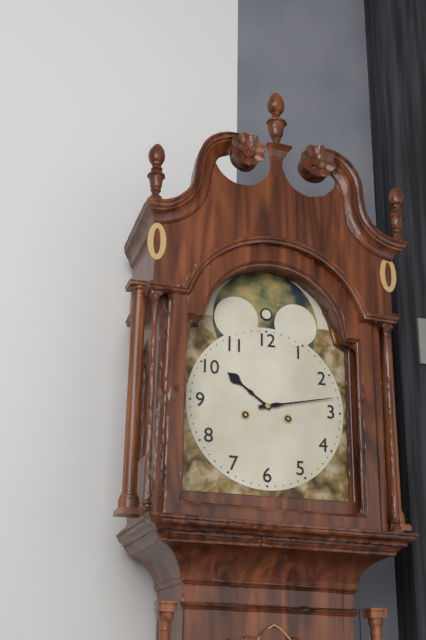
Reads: h=10 m=13
